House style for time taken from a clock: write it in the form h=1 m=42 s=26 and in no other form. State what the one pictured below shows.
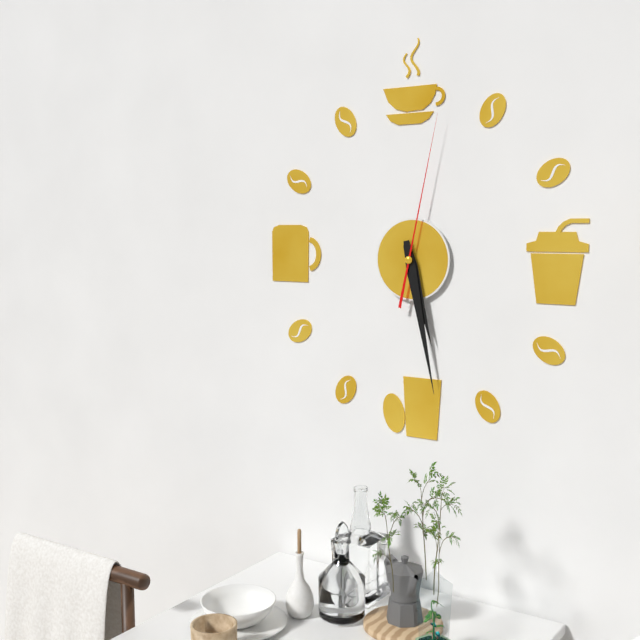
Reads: h=5 m=28 s=2
